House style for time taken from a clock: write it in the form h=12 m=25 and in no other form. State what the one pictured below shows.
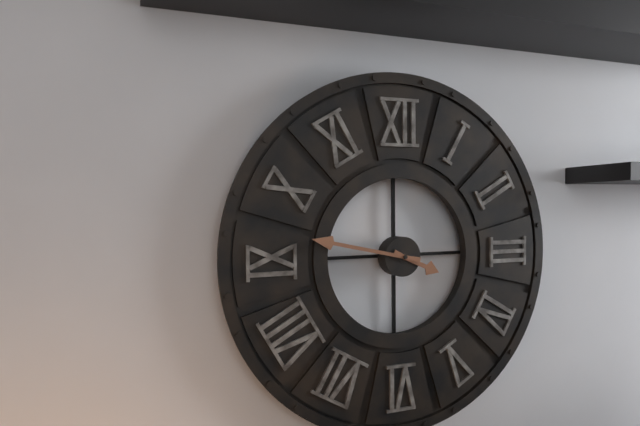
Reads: h=3 m=47
